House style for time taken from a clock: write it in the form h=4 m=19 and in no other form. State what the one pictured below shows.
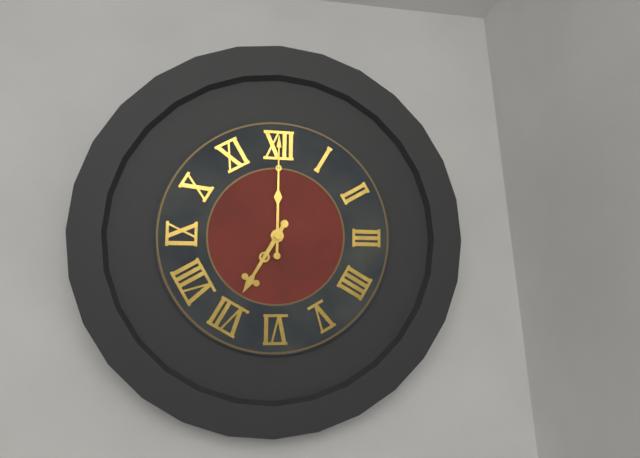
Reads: h=7 m=0
